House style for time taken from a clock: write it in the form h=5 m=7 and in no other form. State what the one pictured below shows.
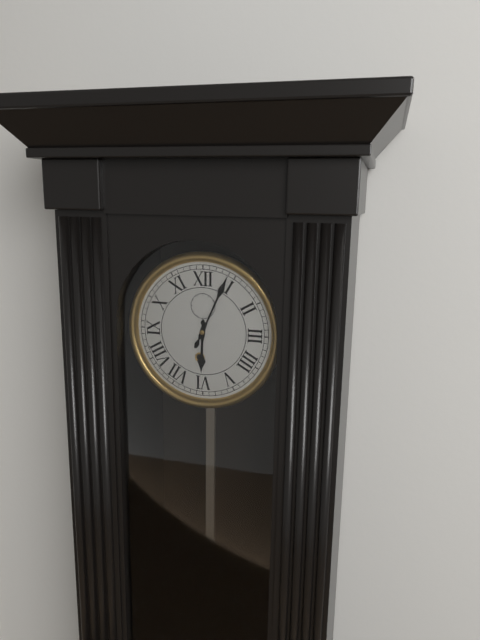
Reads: h=6 m=4
